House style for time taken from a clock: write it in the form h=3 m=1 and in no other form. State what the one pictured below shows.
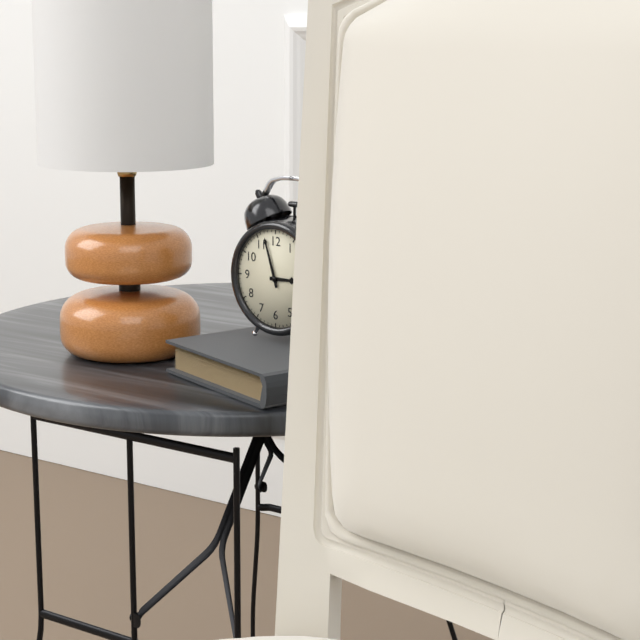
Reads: h=2 m=57
